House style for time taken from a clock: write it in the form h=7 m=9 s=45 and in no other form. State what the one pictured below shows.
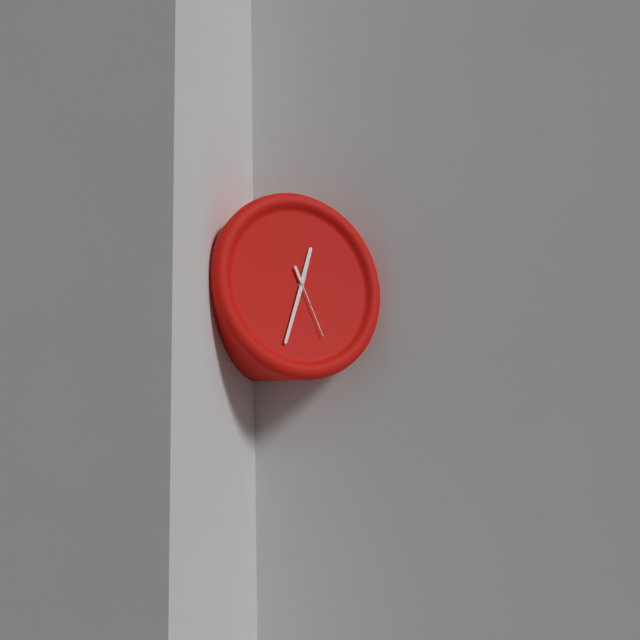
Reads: h=12 m=33 s=26
